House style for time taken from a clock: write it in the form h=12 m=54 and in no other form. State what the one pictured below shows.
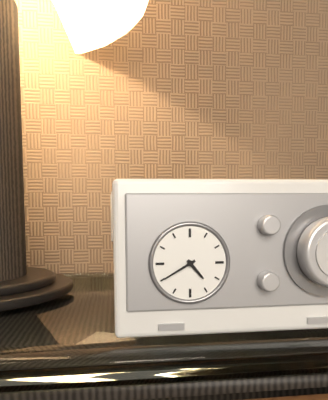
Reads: h=4 m=40
